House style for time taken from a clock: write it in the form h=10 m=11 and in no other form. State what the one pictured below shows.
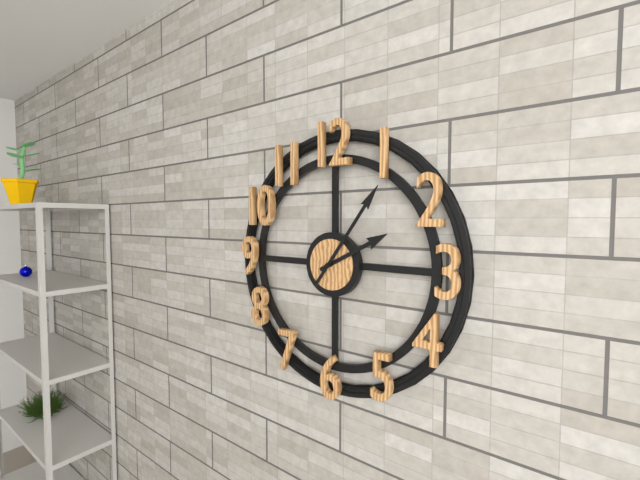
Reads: h=2 m=6
